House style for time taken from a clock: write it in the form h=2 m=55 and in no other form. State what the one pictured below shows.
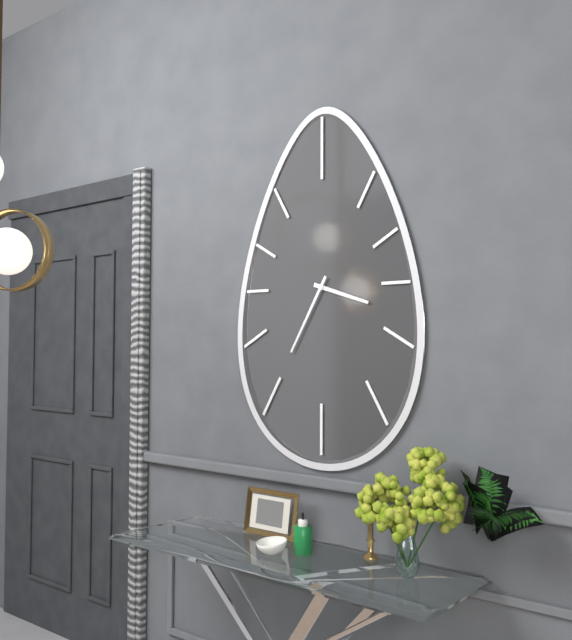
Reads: h=3 m=35
